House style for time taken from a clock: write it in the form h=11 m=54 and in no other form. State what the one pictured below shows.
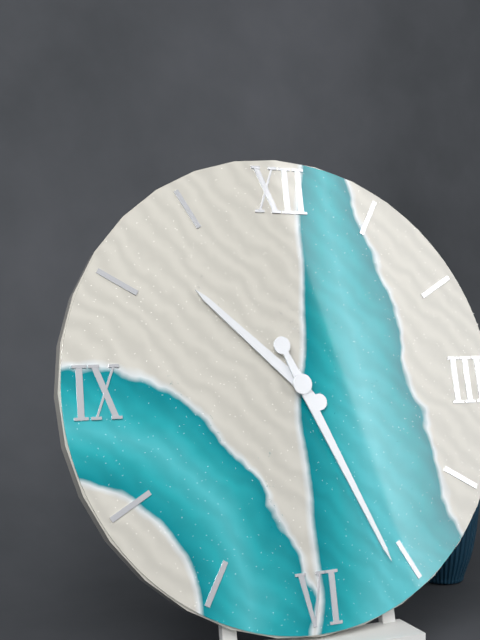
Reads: h=10 m=26
